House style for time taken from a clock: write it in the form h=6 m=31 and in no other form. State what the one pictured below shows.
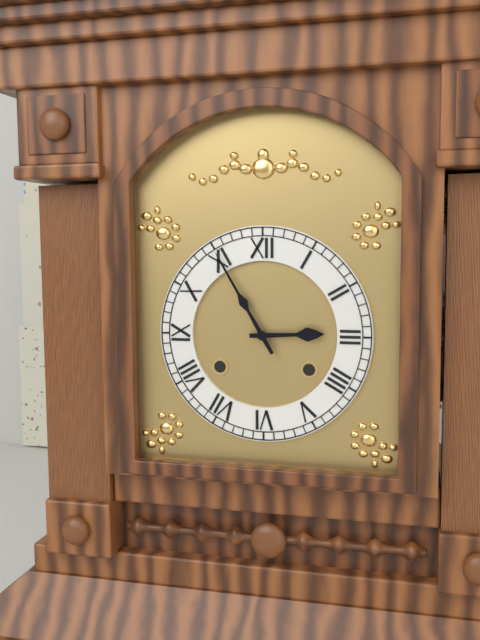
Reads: h=2 m=55
